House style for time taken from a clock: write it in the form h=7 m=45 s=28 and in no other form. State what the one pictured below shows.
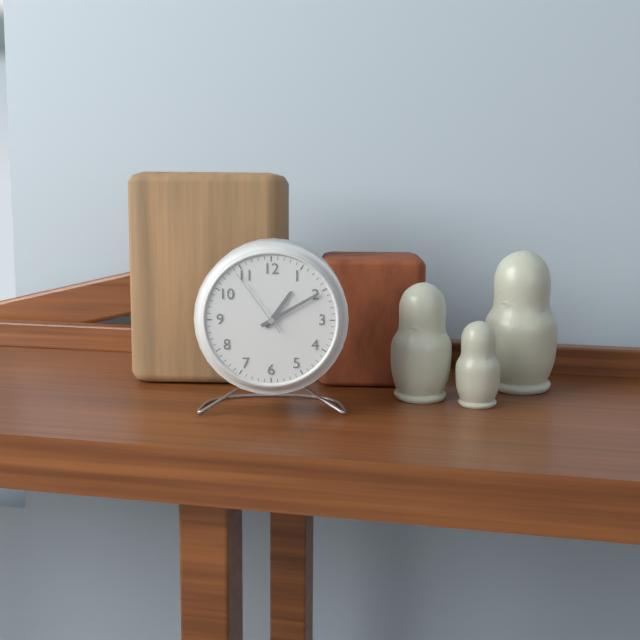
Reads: h=1 m=10 s=54
